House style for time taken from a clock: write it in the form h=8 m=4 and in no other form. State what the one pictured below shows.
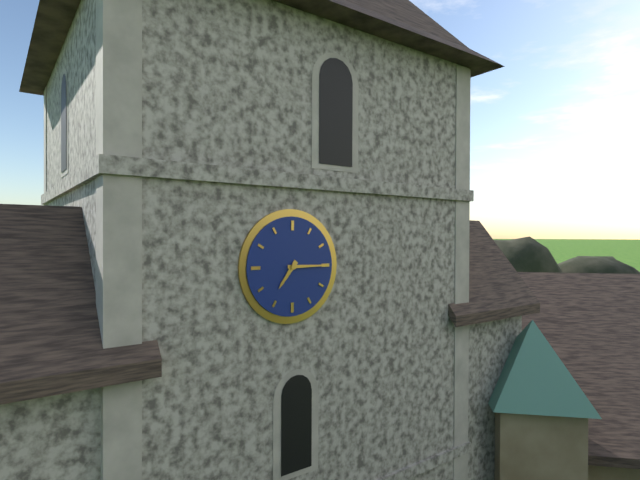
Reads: h=7 m=15
